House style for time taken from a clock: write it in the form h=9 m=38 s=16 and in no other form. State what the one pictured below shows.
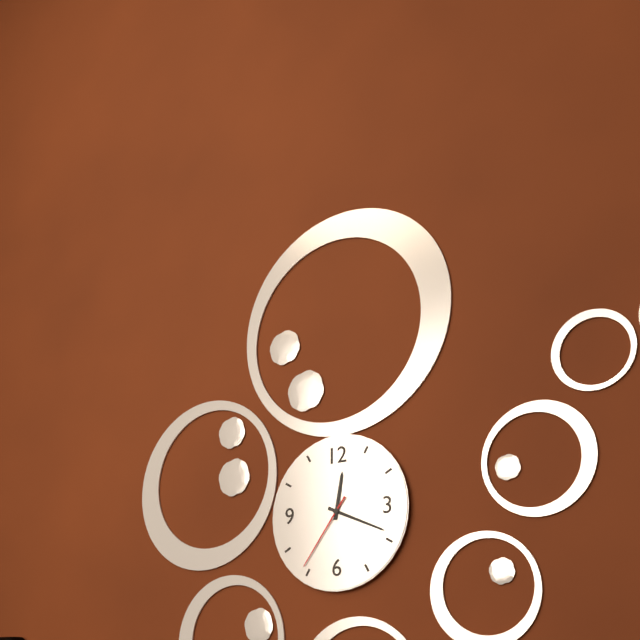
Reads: h=12 m=19 s=36
